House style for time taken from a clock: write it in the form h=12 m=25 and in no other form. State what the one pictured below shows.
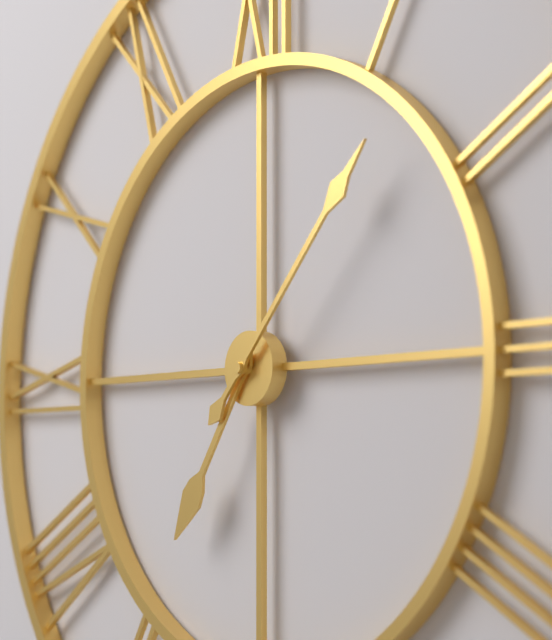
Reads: h=7 m=7
